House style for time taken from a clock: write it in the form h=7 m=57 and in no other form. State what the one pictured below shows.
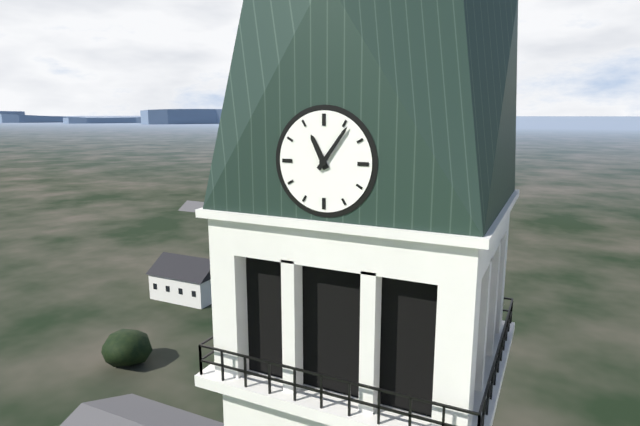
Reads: h=11 m=6
